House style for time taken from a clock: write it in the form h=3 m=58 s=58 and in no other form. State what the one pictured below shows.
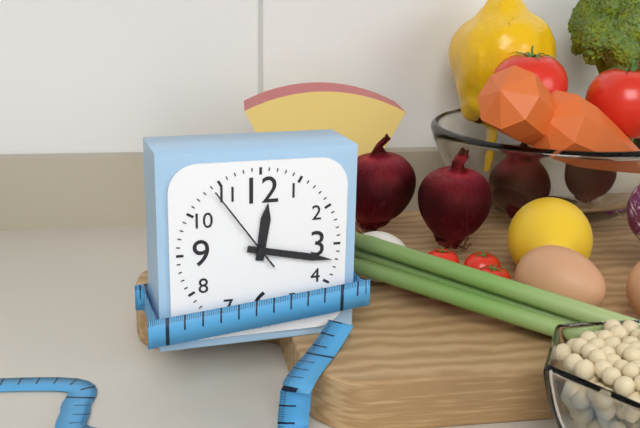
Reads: h=12 m=17 s=54
